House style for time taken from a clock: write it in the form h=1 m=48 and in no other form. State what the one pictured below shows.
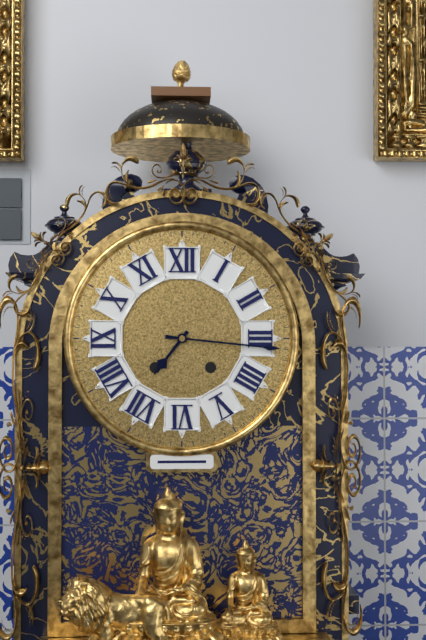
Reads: h=7 m=16
